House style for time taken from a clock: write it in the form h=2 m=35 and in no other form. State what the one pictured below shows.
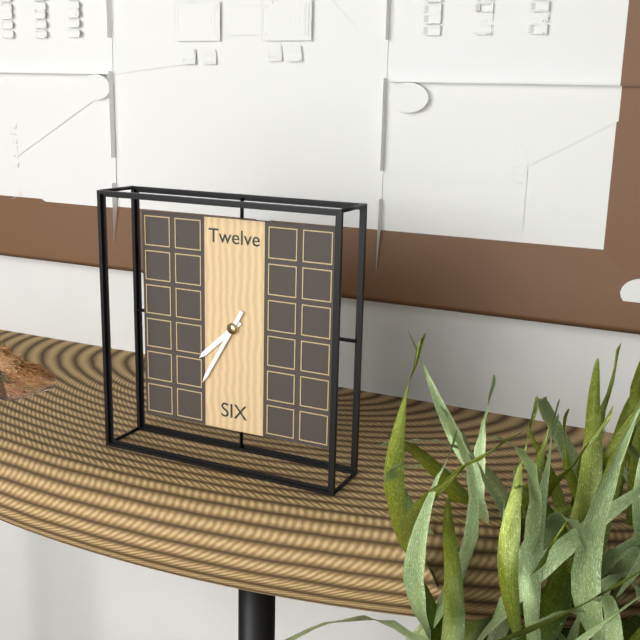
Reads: h=7 m=35
